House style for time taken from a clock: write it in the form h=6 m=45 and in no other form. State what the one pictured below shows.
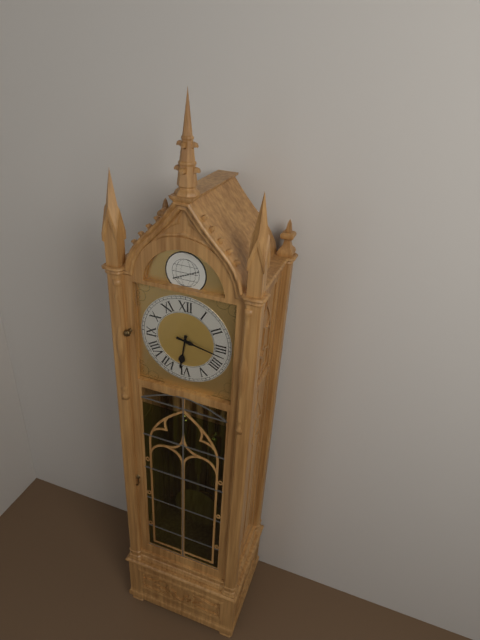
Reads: h=6 m=17
